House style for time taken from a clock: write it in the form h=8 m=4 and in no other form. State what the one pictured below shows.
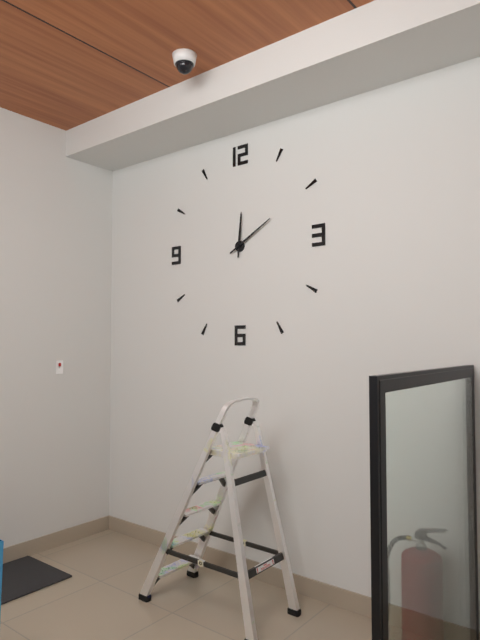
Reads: h=12 m=10
